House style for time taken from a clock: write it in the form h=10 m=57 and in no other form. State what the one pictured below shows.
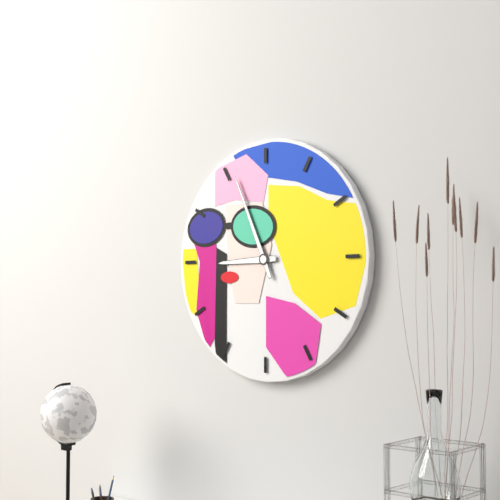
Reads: h=8 m=56
